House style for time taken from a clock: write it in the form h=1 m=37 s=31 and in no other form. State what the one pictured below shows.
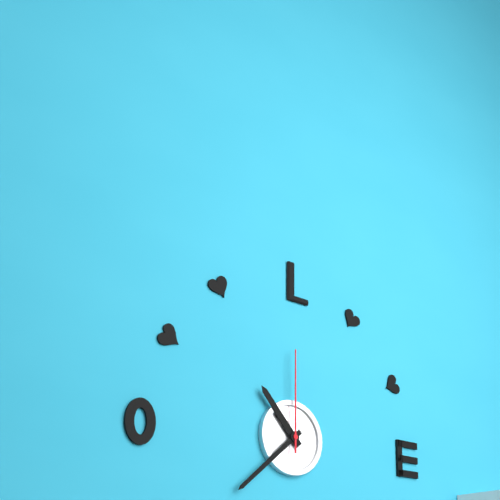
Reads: h=10 m=38 s=0
